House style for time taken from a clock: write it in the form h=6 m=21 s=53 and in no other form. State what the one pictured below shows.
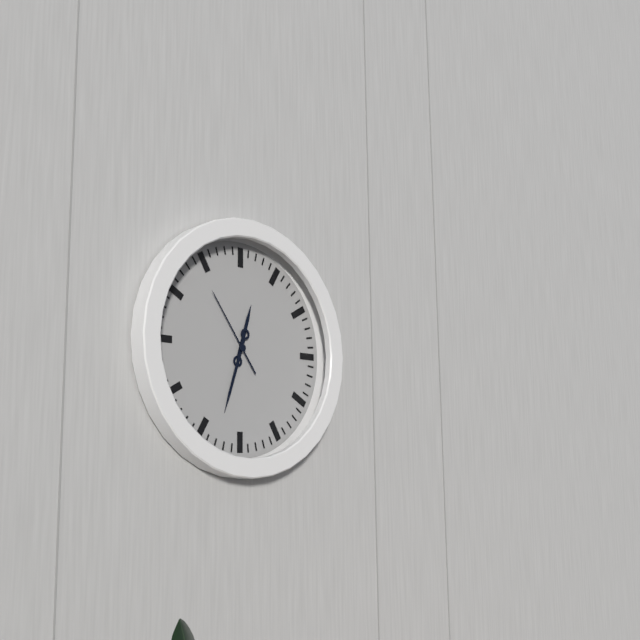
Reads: h=12 m=33 s=54
